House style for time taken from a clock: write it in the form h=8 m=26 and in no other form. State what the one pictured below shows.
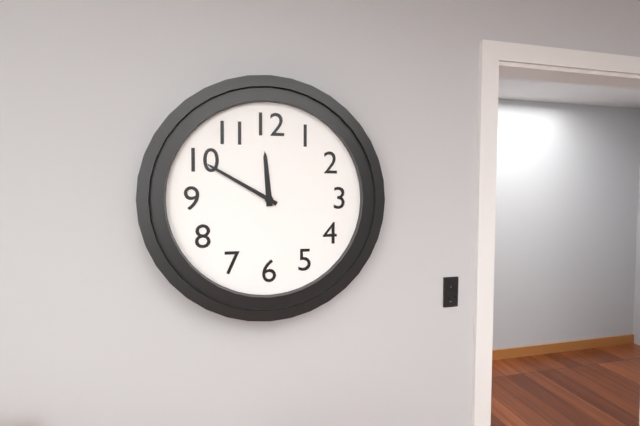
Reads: h=11 m=50
